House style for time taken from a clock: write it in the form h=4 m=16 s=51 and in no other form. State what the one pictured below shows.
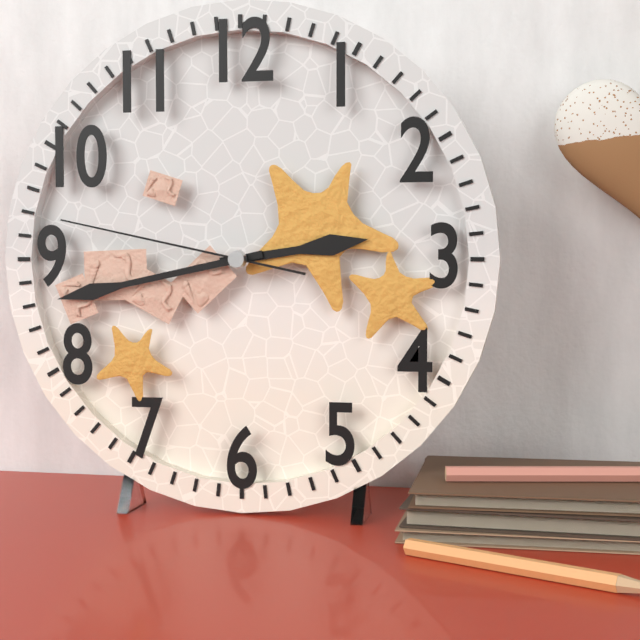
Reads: h=2 m=43 s=47
